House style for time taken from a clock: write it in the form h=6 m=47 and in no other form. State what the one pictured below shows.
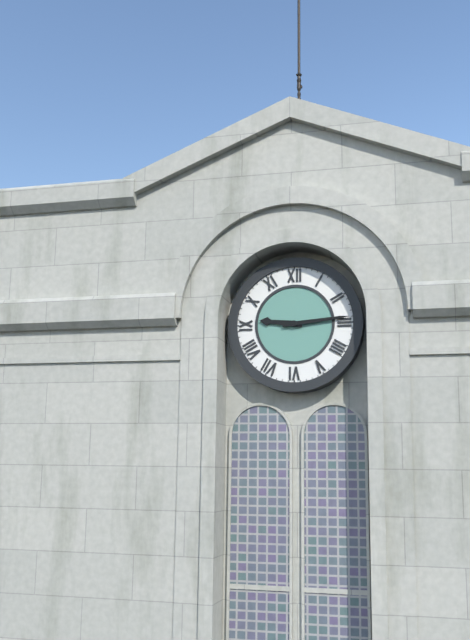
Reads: h=9 m=14
